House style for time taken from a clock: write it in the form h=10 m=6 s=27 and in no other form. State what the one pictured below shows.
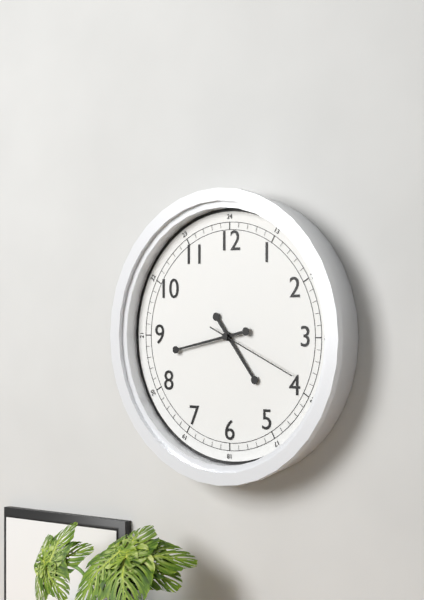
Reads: h=4 m=43 s=19
